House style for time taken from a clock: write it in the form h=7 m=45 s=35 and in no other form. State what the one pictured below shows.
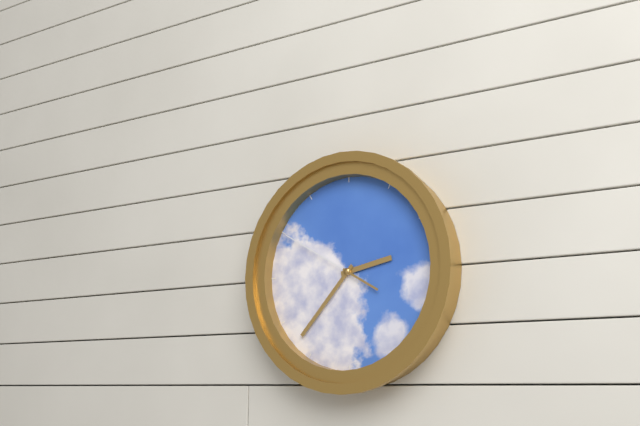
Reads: h=2 m=37 s=50
